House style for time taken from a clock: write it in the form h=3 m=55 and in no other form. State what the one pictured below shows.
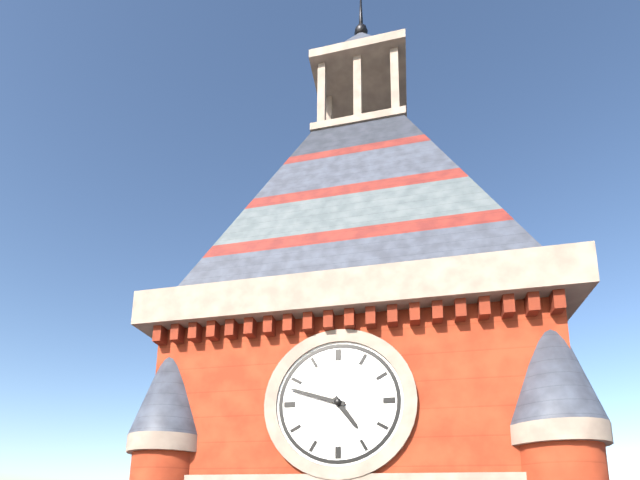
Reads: h=4 m=48
